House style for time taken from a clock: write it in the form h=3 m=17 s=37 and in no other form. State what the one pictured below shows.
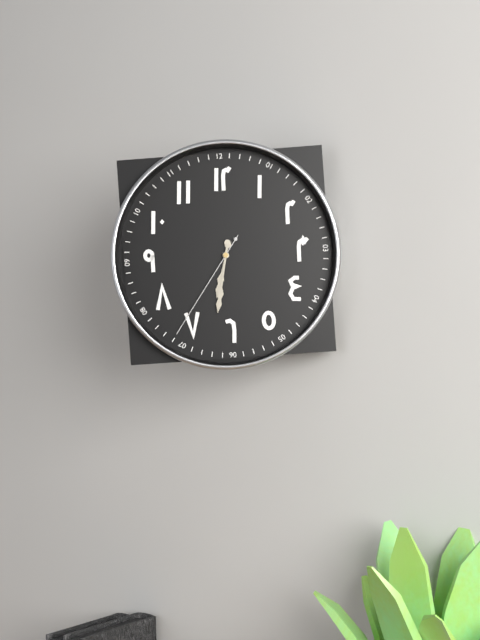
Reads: h=6 m=32 s=36
